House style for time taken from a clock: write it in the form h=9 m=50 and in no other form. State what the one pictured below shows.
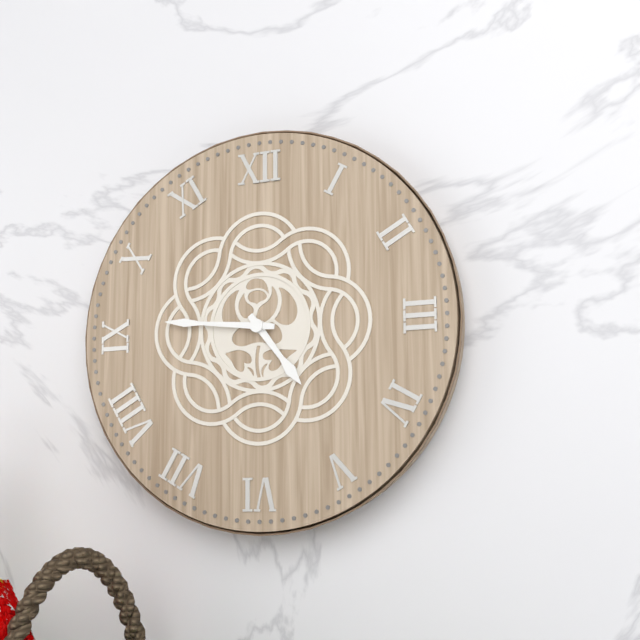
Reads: h=4 m=46
